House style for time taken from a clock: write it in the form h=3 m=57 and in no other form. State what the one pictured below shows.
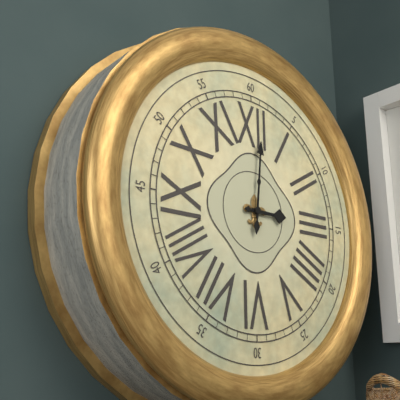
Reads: h=3 m=1
